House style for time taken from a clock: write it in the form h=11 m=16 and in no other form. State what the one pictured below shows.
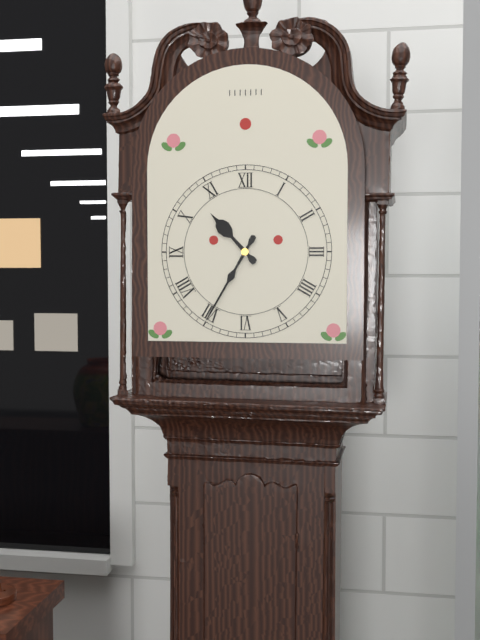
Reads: h=10 m=35
